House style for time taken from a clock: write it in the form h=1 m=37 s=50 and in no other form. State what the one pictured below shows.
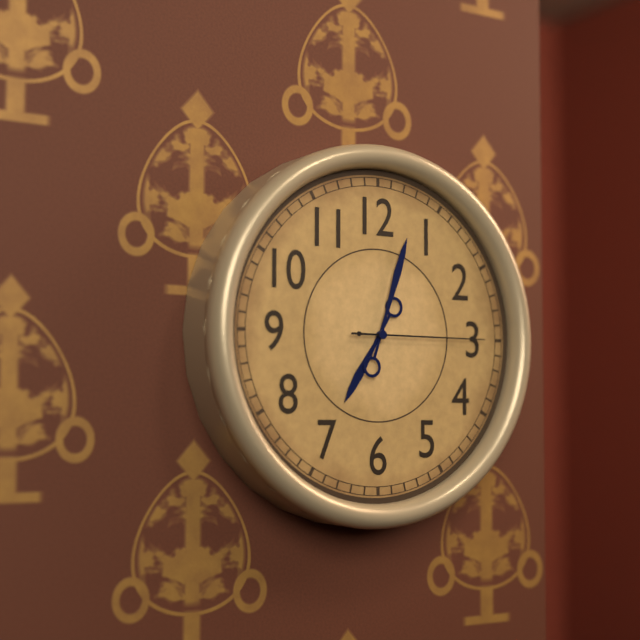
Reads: h=7 m=3 s=15
